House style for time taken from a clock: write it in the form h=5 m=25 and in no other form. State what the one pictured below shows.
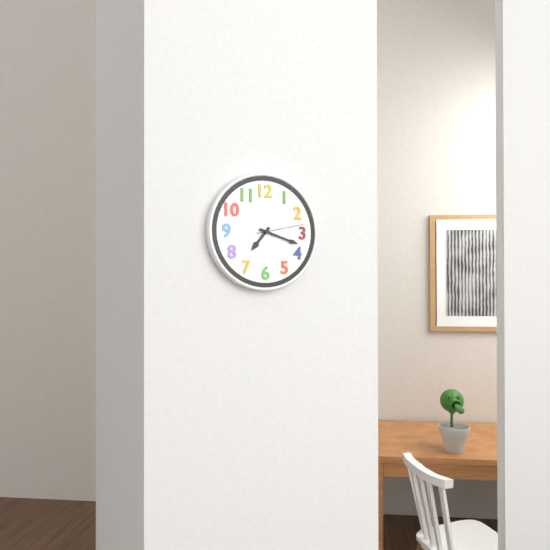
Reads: h=7 m=18
